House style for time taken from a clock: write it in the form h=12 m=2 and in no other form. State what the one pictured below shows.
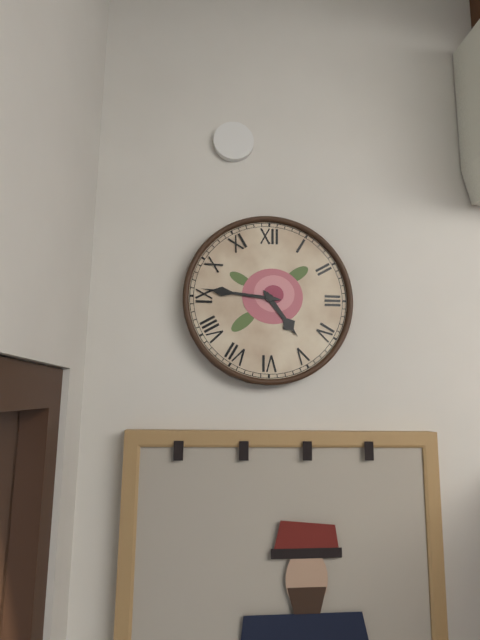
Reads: h=4 m=46
